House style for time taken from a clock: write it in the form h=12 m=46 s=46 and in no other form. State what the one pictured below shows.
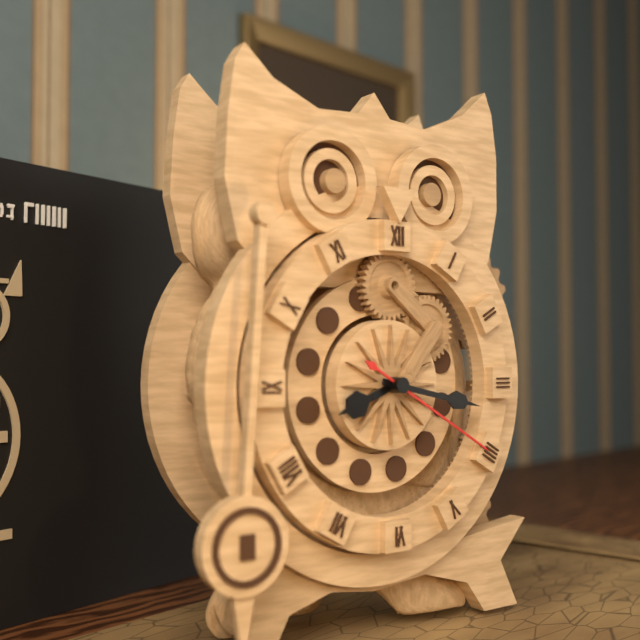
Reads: h=8 m=17 s=20
